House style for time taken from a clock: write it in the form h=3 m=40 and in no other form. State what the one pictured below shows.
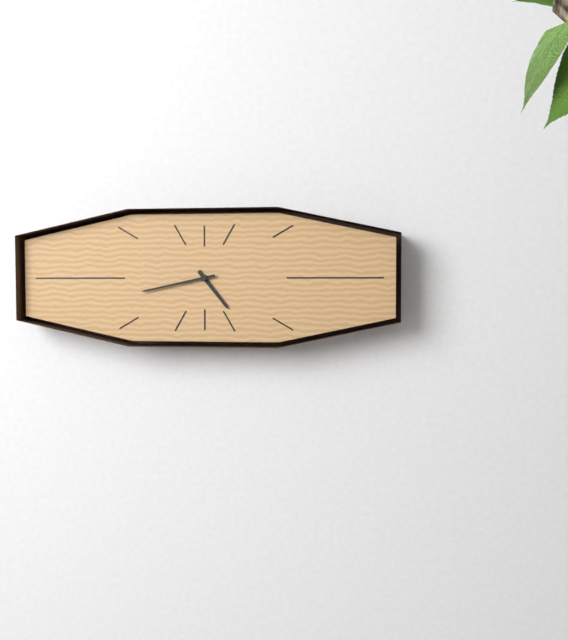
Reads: h=4 m=43
